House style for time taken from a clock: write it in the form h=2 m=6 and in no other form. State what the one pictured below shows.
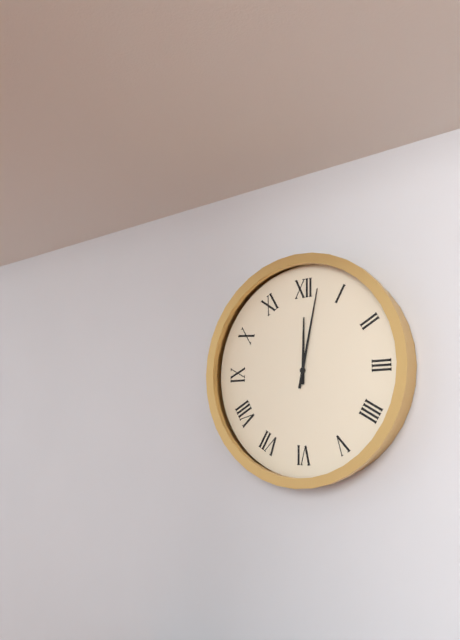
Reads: h=12 m=2
